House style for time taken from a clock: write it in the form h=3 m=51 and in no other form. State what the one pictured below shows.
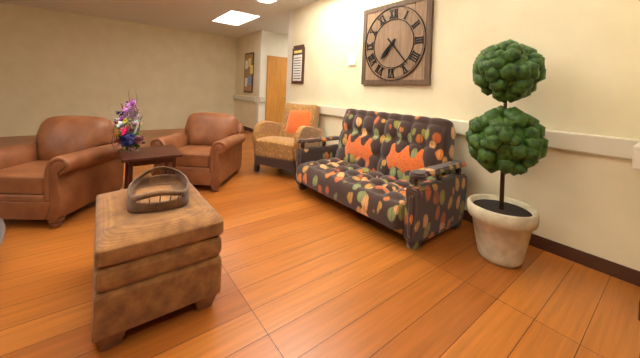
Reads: h=7 m=23
